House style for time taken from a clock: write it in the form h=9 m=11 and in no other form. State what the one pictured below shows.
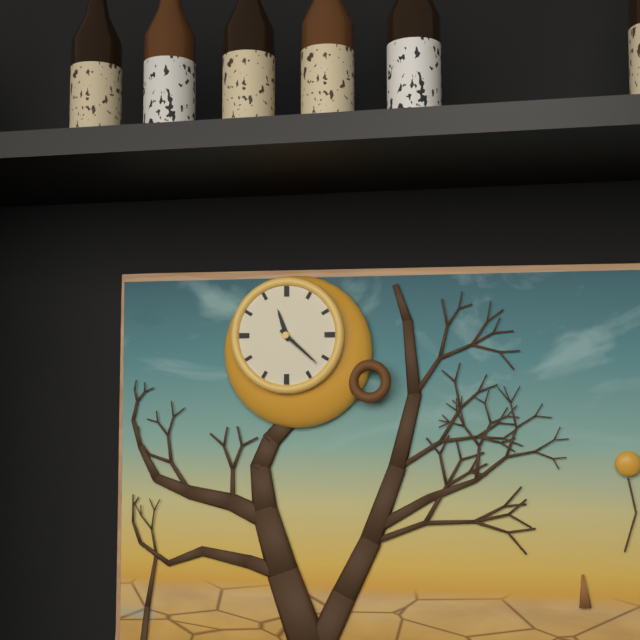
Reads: h=11 m=22
